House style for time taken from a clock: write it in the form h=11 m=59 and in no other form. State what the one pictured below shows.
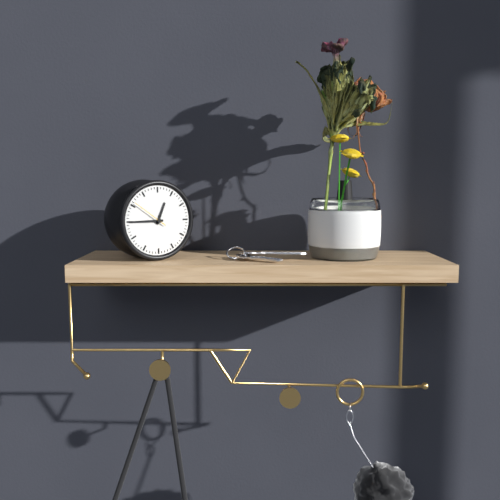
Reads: h=12 m=45
